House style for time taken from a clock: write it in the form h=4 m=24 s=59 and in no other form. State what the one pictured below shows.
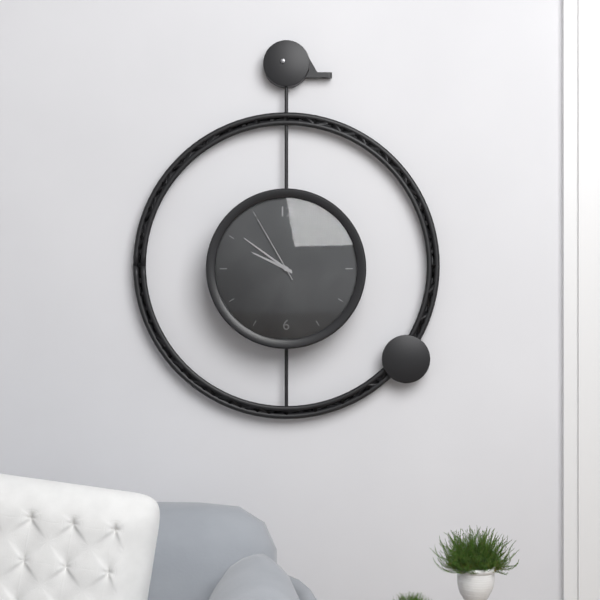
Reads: h=9 m=51 s=55
